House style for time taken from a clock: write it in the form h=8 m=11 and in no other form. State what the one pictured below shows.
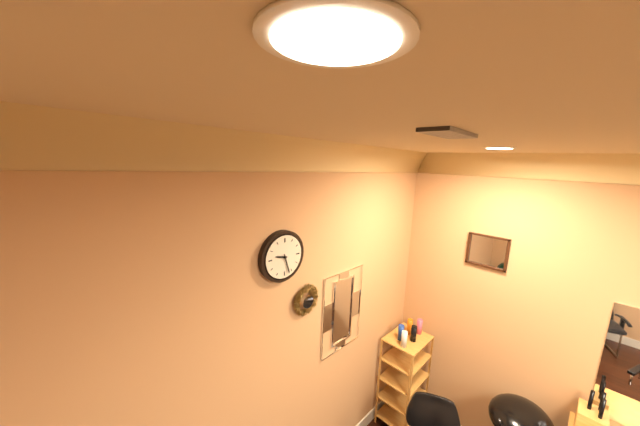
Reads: h=9 m=27
